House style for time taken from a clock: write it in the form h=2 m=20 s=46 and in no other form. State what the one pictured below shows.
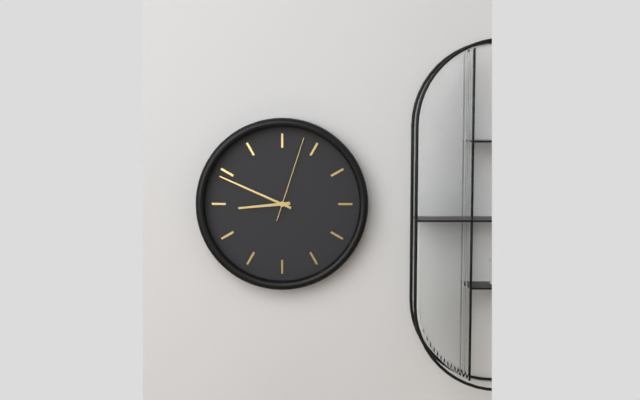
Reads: h=8 m=49 s=3
